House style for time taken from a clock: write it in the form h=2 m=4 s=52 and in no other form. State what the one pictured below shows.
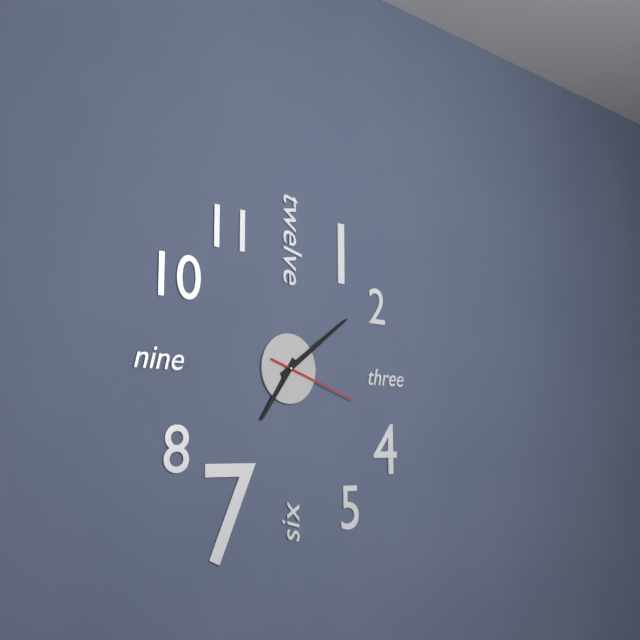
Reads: h=7 m=9 s=18
